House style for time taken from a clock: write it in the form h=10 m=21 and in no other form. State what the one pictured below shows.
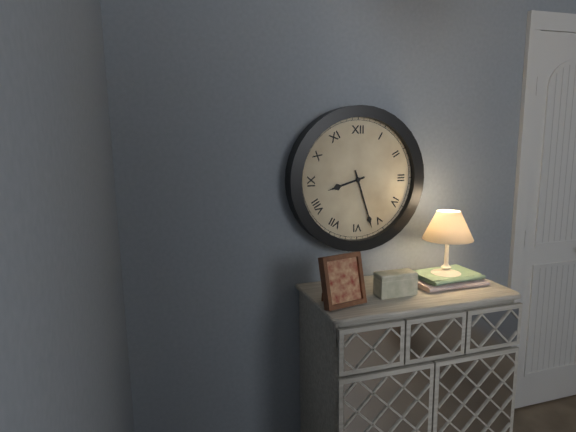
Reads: h=8 m=27
